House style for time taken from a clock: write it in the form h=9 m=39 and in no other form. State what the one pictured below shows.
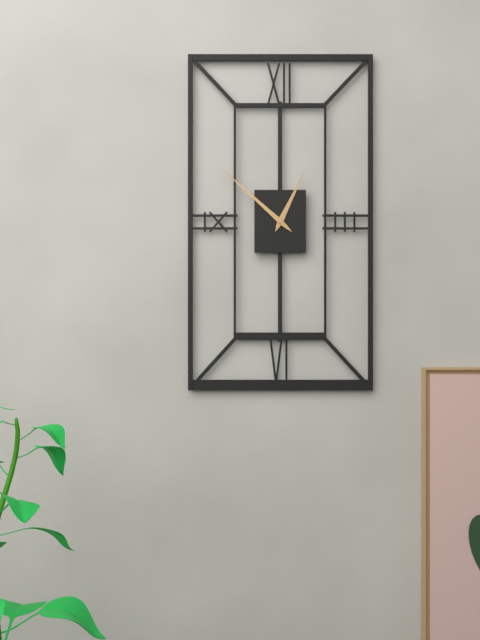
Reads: h=12 m=52
